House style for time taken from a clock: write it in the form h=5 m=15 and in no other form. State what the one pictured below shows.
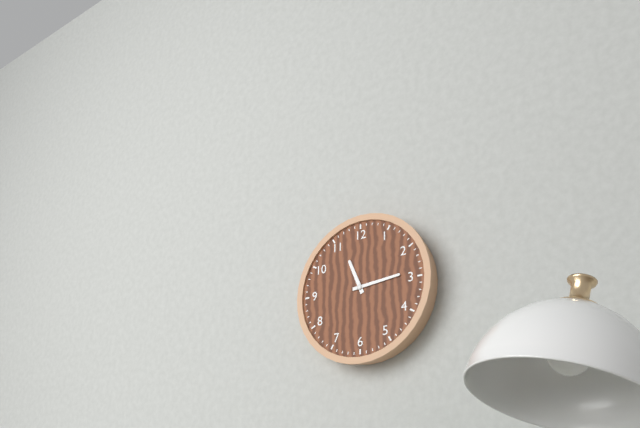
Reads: h=11 m=14
